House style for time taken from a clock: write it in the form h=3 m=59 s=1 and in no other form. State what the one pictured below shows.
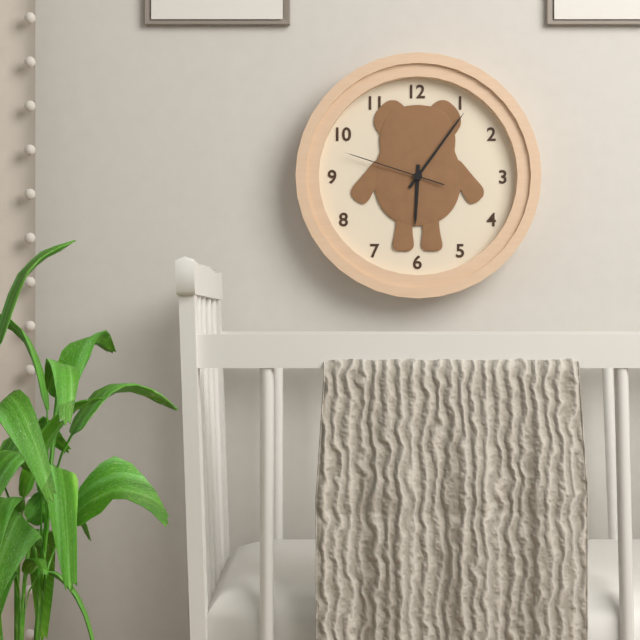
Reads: h=6 m=6 s=48
